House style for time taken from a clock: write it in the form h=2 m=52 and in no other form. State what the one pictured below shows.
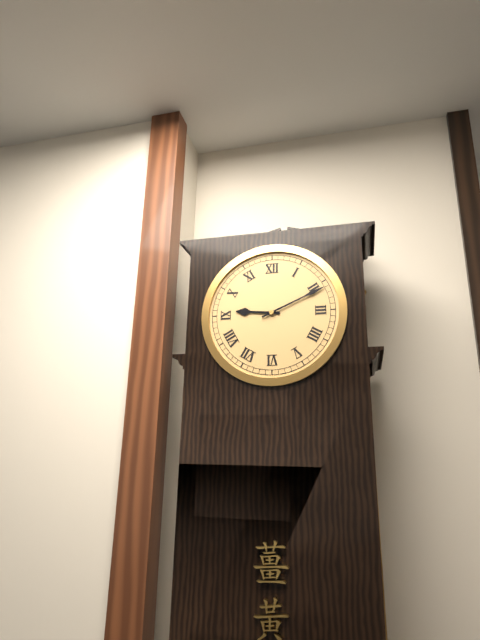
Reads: h=9 m=11
